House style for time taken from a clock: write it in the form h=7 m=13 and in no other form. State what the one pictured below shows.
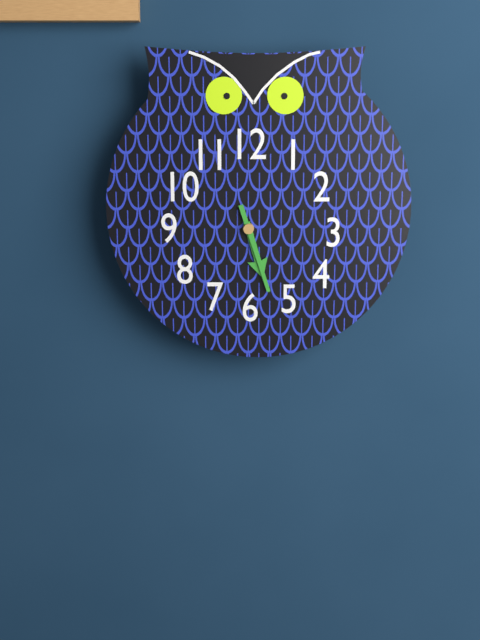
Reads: h=5 m=27
